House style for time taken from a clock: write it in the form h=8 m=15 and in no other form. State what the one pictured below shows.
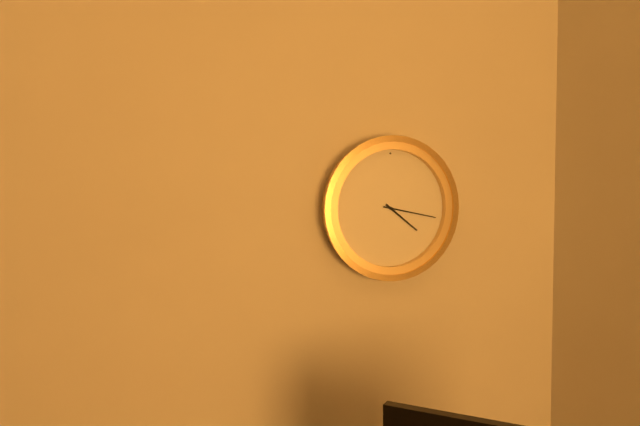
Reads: h=4 m=17
